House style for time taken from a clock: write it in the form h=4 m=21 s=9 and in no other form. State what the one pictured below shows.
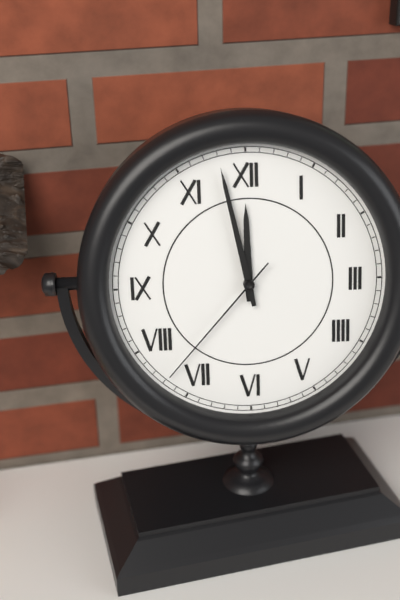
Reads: h=11 m=58 s=37
